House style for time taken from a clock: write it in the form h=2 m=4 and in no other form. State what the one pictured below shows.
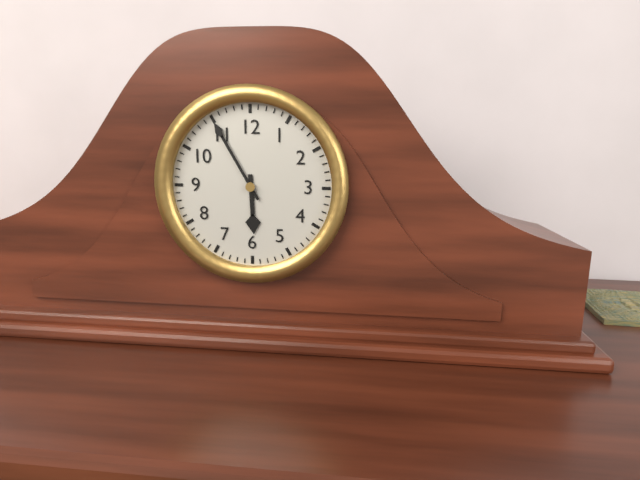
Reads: h=5 m=55
